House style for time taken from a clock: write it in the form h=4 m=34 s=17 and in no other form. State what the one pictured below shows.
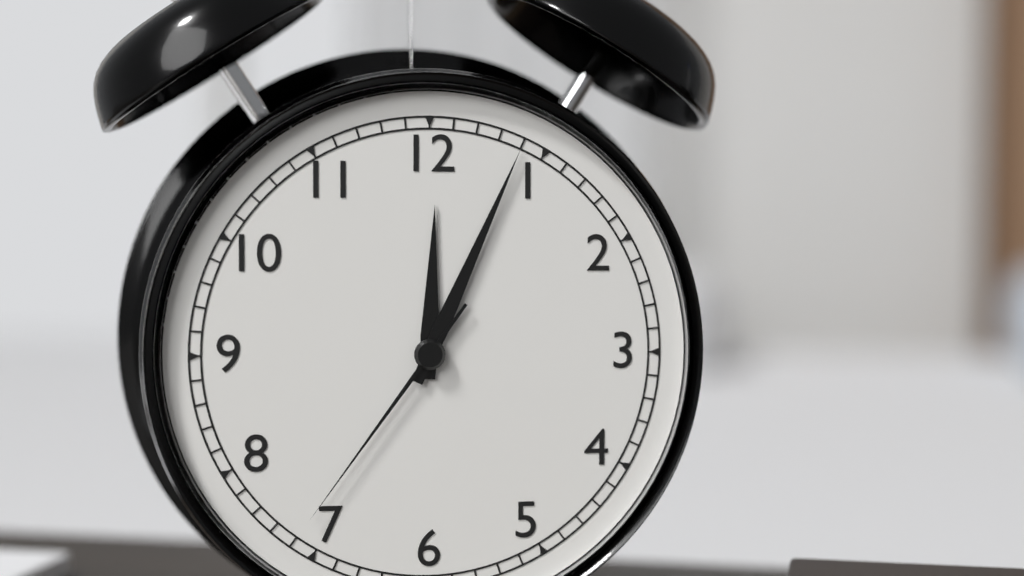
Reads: h=12 m=4 s=36
